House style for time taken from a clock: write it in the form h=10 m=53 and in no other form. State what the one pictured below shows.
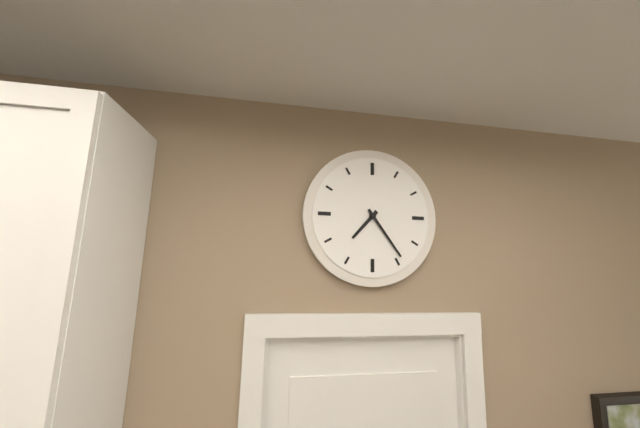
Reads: h=7 m=24
